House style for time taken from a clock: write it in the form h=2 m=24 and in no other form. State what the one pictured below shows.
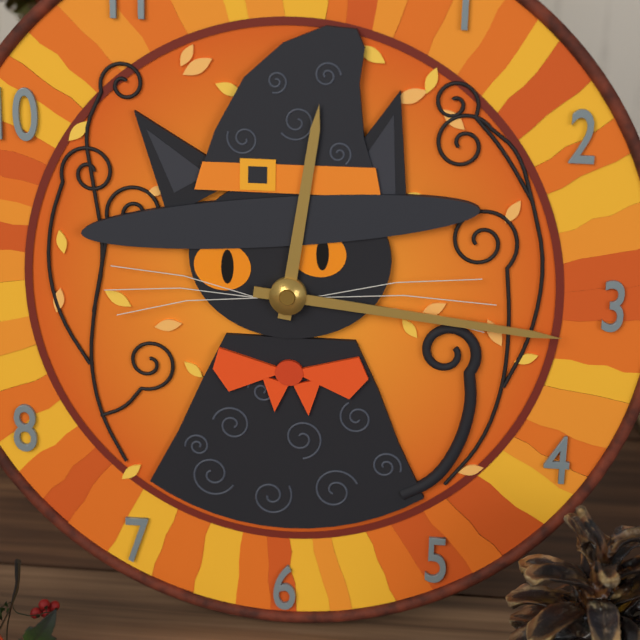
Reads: h=12 m=16
